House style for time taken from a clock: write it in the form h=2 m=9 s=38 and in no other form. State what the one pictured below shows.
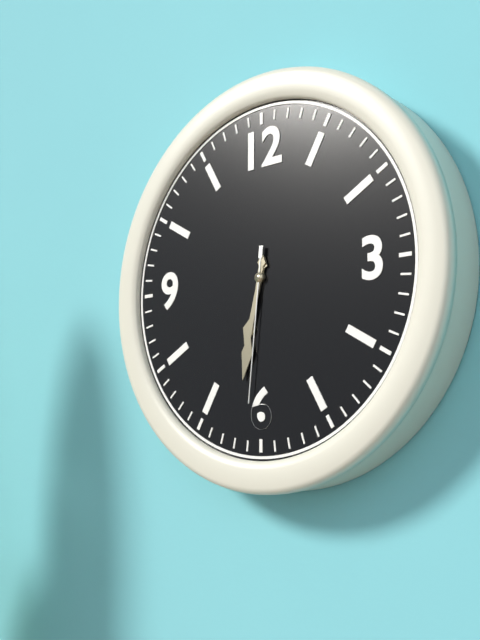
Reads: h=6 m=32 s=31
